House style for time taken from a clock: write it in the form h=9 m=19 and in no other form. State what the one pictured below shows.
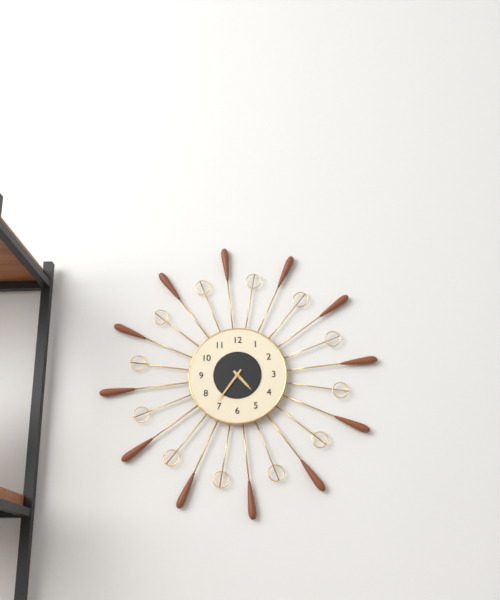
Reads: h=4 m=36
